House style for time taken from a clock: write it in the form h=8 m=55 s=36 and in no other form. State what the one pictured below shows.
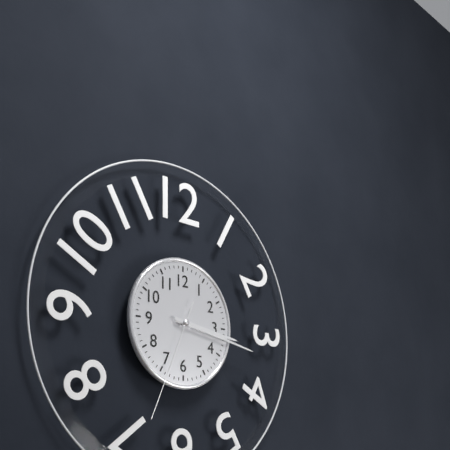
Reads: h=3 m=17 s=34
